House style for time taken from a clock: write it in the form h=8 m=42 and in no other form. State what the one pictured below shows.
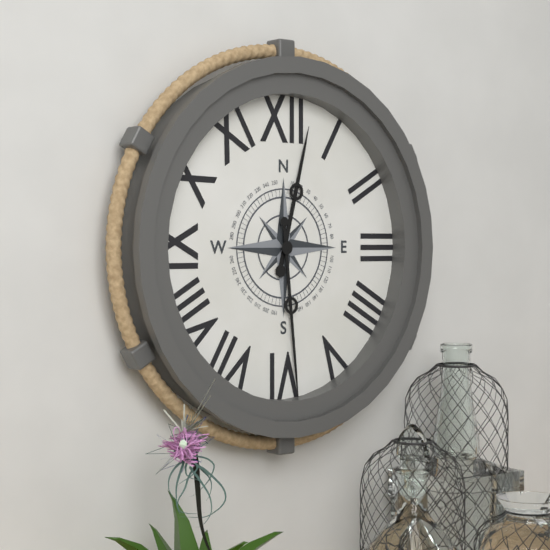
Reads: h=12 m=29
